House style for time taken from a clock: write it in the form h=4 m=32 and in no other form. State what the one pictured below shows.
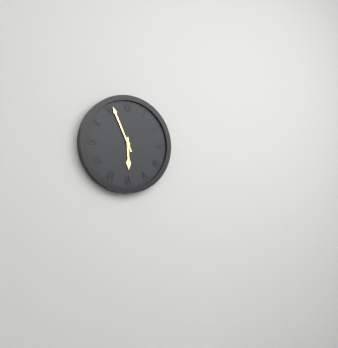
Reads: h=5 m=56
